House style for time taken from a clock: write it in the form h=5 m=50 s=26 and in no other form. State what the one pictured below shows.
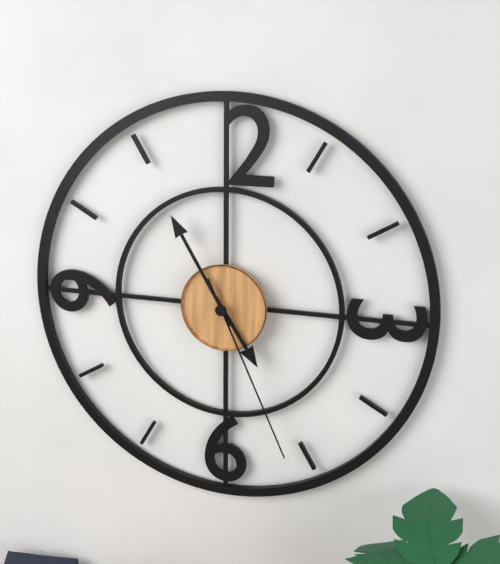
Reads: h=4 m=55 s=26
